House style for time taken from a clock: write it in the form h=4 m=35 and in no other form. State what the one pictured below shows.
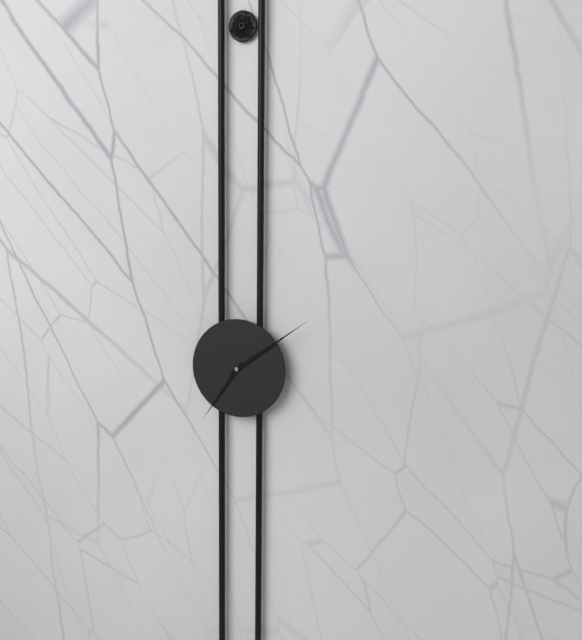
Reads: h=7 m=9
